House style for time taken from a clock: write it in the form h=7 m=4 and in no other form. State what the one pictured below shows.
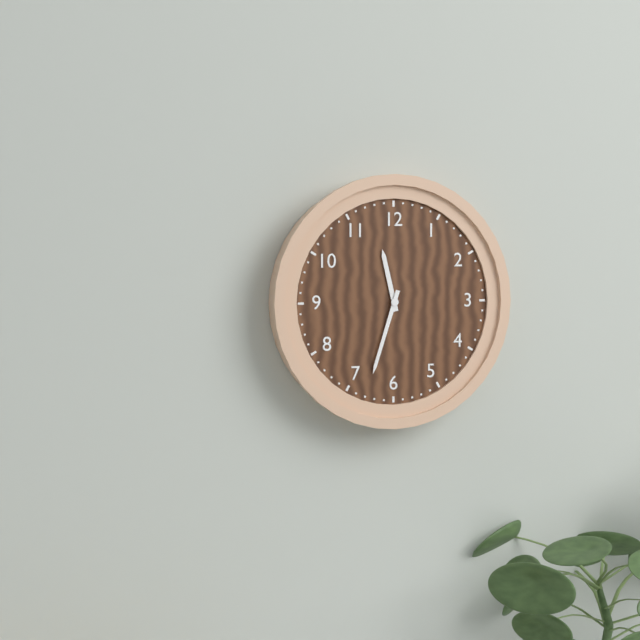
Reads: h=11 m=33
